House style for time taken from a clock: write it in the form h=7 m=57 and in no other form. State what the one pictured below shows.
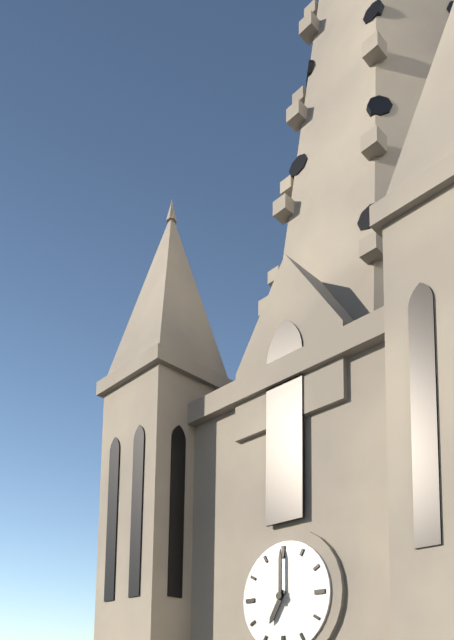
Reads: h=7 m=0
